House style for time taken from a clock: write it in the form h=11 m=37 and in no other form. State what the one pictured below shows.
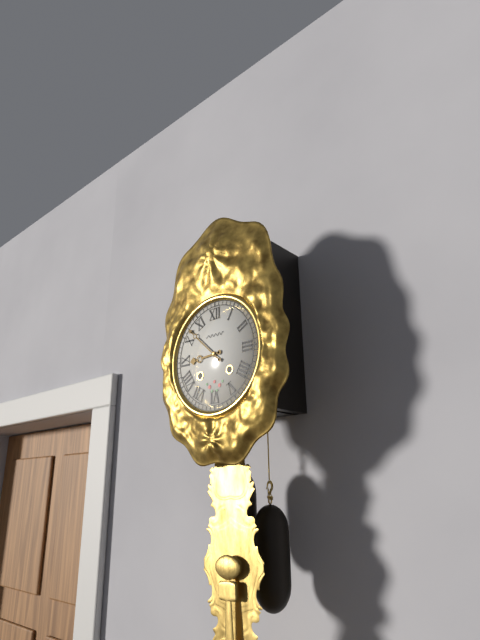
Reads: h=8 m=52
